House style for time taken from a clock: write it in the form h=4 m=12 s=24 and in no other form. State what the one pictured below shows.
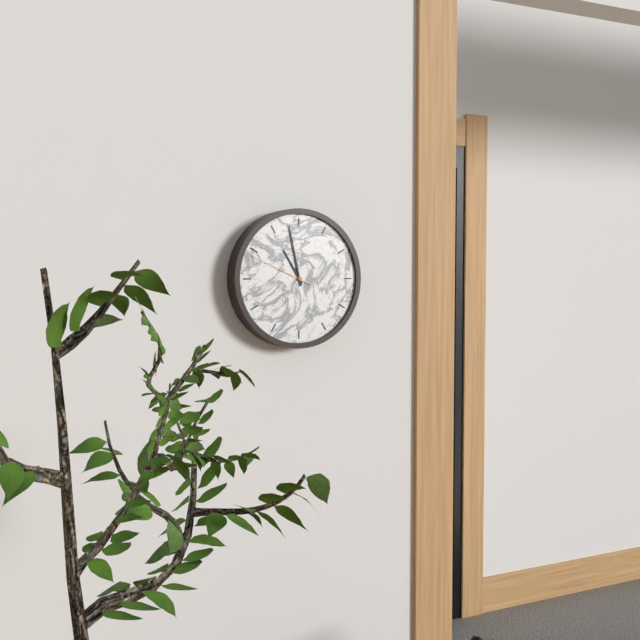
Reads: h=10 m=58 s=49
